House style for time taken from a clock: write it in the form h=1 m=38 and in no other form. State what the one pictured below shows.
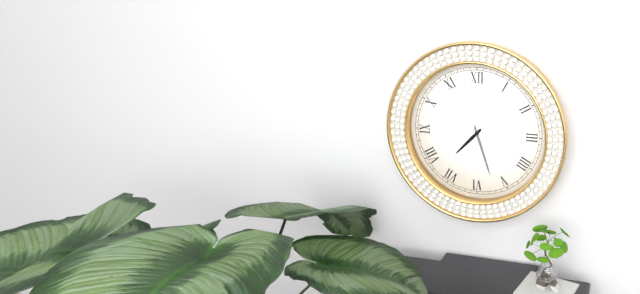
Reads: h=7 m=27
